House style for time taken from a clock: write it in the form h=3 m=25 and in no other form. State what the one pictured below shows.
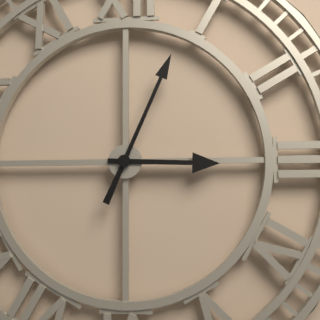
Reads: h=3 m=4
